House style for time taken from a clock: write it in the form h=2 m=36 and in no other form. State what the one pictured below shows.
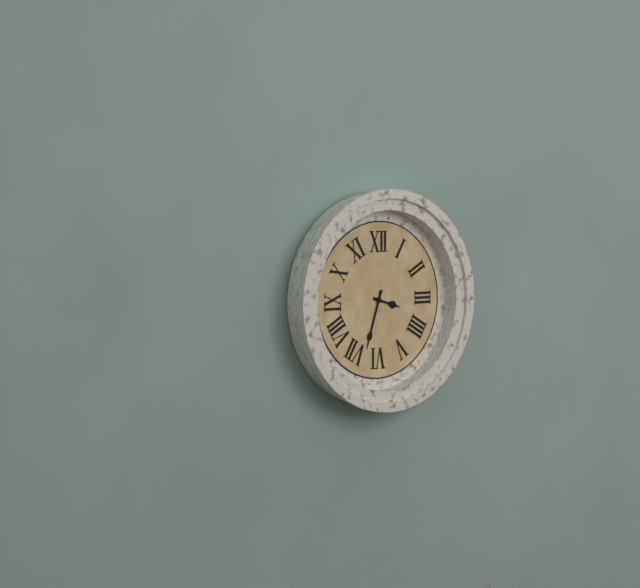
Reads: h=3 m=33
